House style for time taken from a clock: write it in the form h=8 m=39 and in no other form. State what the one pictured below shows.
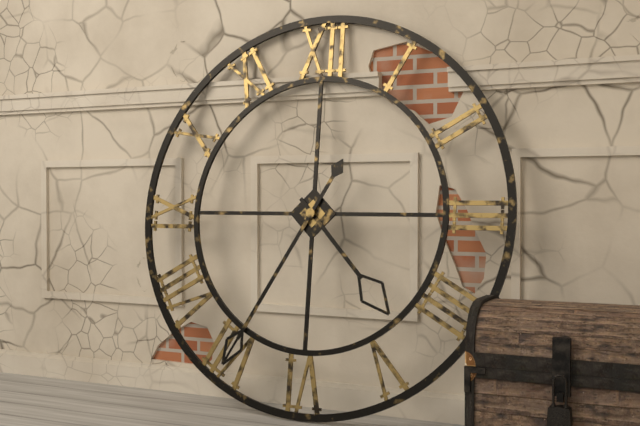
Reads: h=4 m=35
